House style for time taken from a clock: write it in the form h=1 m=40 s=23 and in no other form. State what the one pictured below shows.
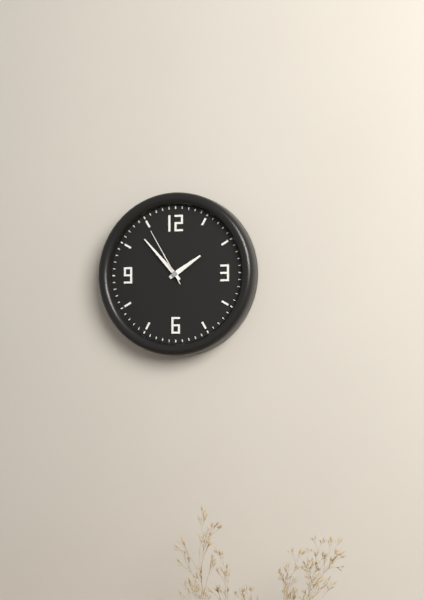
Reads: h=1 m=53 s=55
